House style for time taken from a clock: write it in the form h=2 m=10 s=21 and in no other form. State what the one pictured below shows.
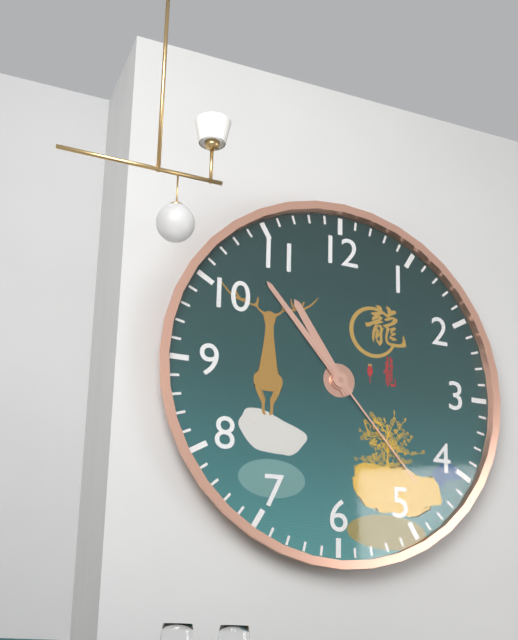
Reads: h=10 m=53 s=23
